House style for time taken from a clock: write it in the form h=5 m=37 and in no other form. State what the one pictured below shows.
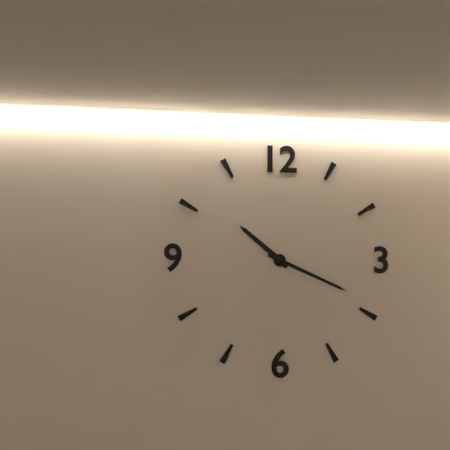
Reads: h=10 m=19
